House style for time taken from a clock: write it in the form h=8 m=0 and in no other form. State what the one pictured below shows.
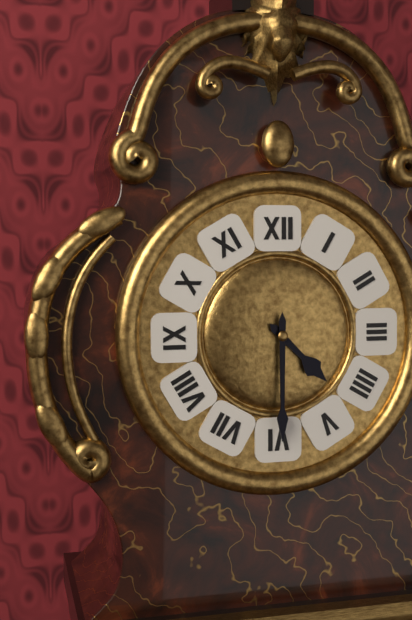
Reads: h=4 m=30
